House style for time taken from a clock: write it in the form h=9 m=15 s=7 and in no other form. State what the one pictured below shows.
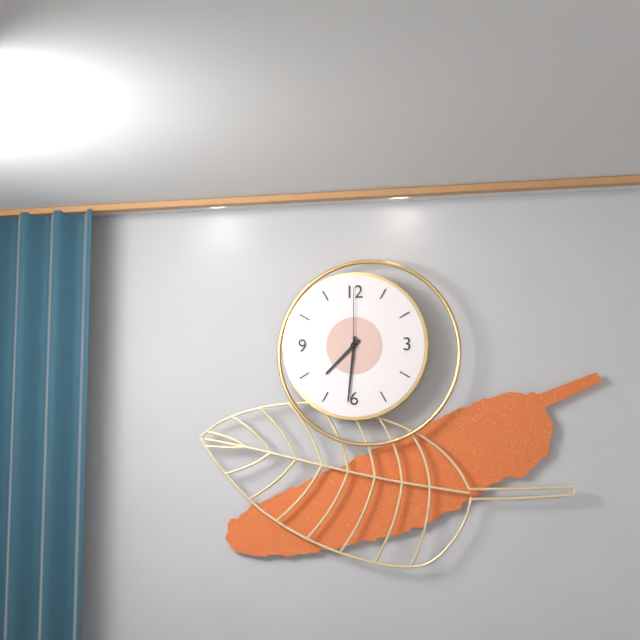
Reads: h=7 m=31 s=0
